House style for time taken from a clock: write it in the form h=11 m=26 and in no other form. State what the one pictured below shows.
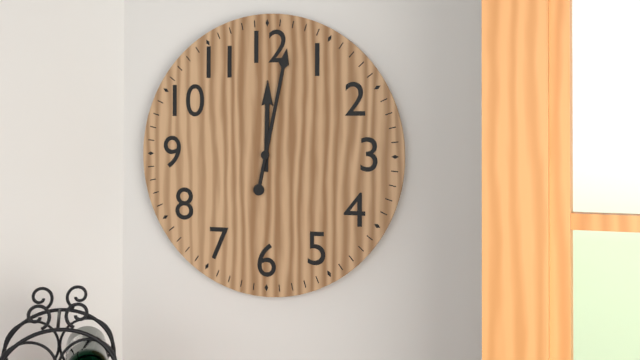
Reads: h=12 m=2
